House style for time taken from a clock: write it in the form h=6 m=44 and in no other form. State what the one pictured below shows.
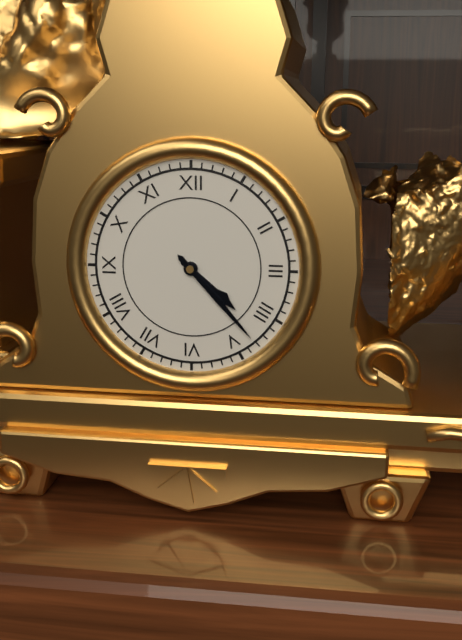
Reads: h=4 m=23
